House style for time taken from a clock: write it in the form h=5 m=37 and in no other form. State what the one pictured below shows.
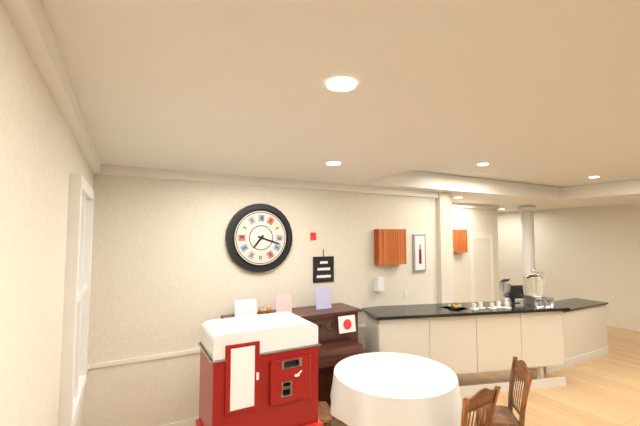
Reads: h=7 m=18
